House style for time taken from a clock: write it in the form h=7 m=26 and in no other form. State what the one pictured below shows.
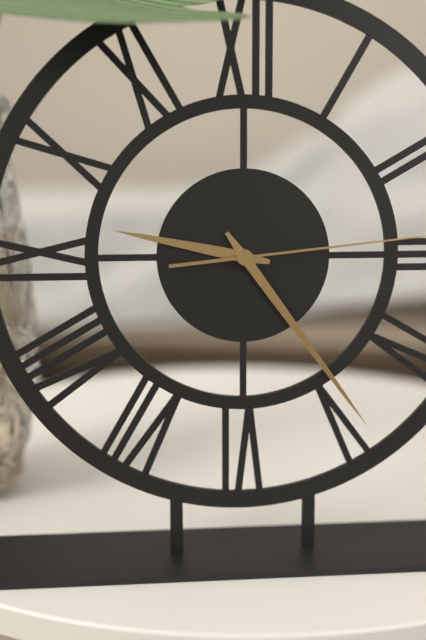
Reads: h=9 m=24
